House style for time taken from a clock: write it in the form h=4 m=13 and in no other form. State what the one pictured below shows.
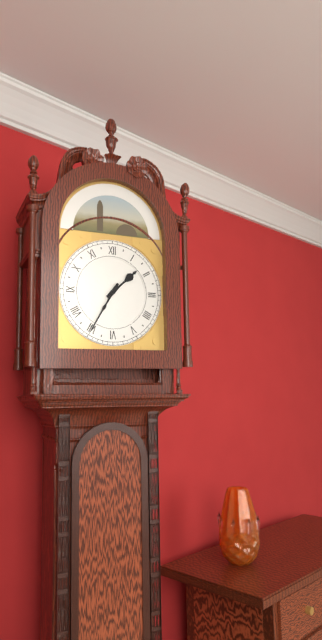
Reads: h=1 m=35
